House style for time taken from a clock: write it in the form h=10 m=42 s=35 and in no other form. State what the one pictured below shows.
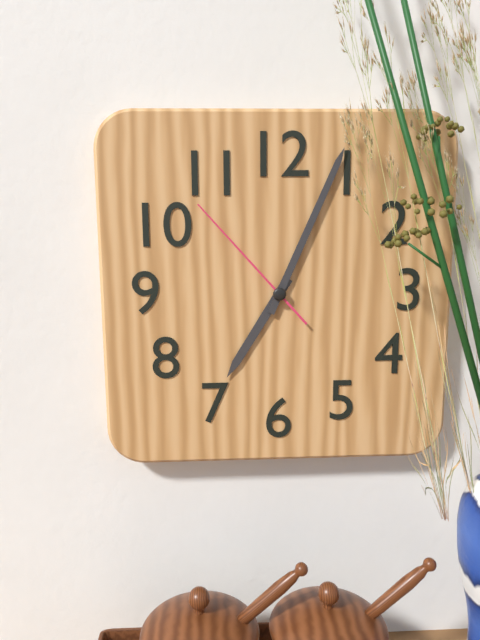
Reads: h=7 m=4 s=53
